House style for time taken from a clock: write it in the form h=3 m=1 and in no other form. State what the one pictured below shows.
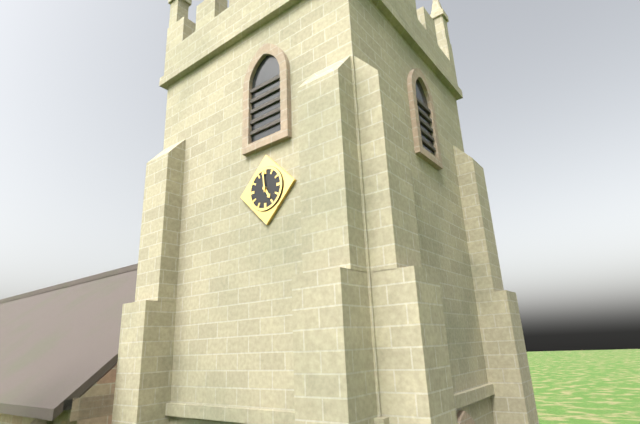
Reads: h=4 m=59
